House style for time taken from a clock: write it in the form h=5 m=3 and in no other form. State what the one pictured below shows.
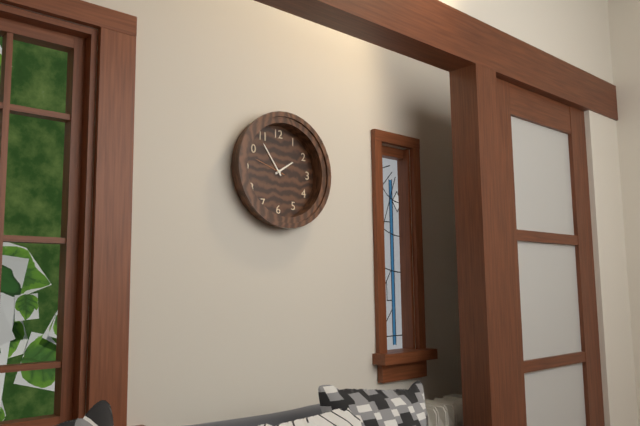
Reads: h=1 m=54
